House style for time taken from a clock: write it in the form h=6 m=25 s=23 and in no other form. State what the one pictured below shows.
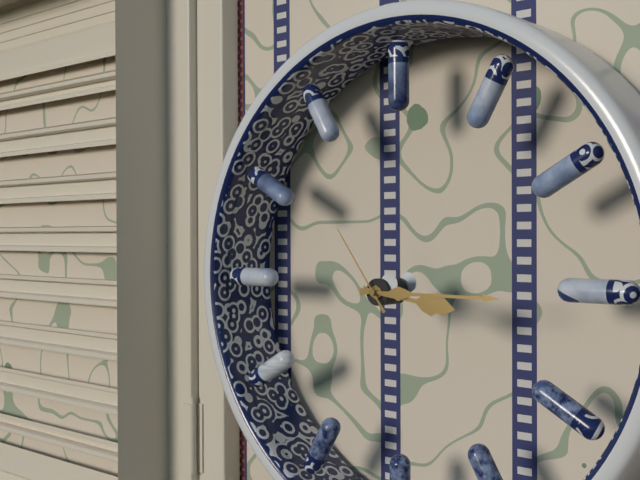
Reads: h=3 m=15 s=54
